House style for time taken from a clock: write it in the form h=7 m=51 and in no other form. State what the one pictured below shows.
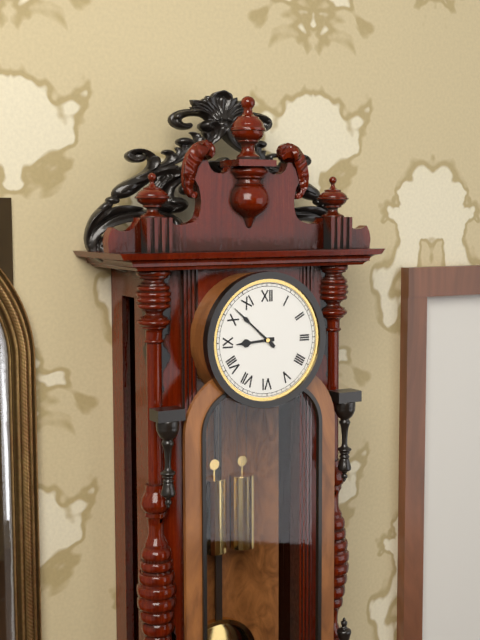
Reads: h=8 m=52
